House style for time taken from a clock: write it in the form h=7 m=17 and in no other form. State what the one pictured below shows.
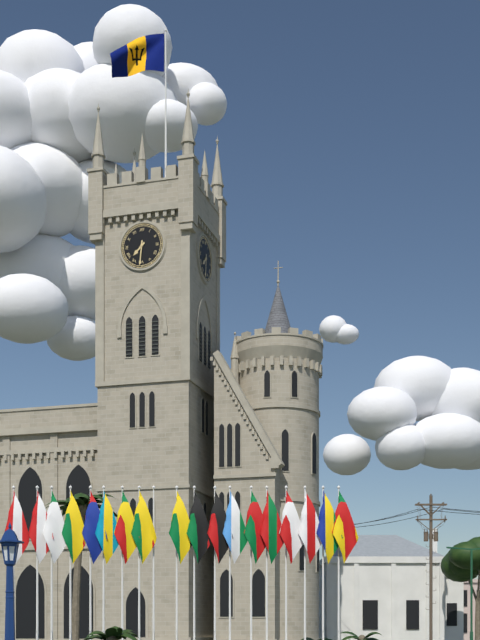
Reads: h=7 m=31
